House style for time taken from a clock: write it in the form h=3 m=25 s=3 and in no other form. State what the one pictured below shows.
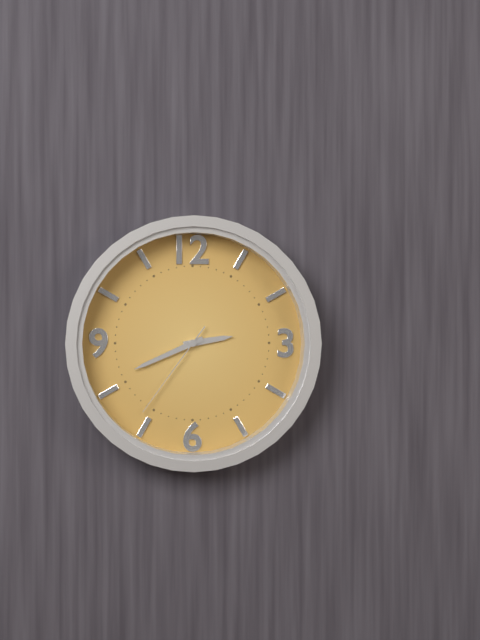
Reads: h=2 m=41 s=36
